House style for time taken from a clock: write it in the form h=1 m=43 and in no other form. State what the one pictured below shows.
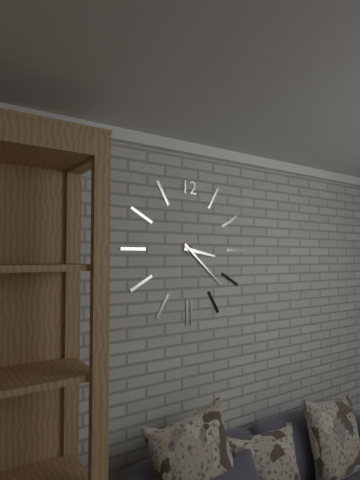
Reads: h=3 m=22
